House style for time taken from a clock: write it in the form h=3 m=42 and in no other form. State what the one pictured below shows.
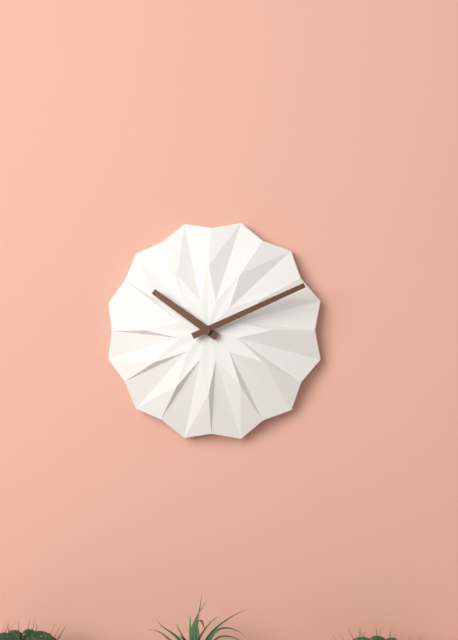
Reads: h=10 m=11
